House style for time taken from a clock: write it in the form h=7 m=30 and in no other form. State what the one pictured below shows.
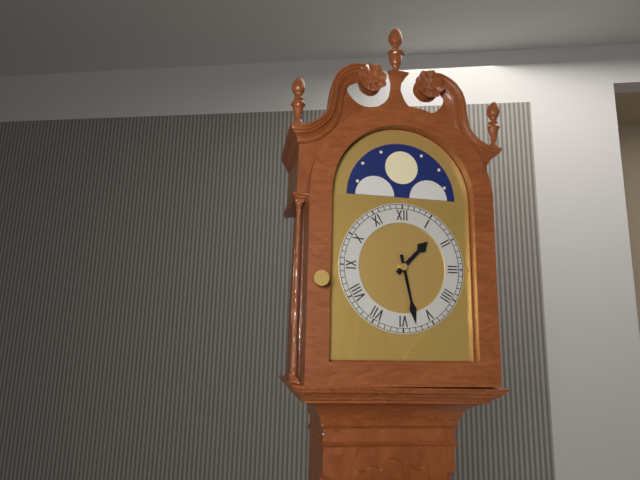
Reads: h=1 m=28
